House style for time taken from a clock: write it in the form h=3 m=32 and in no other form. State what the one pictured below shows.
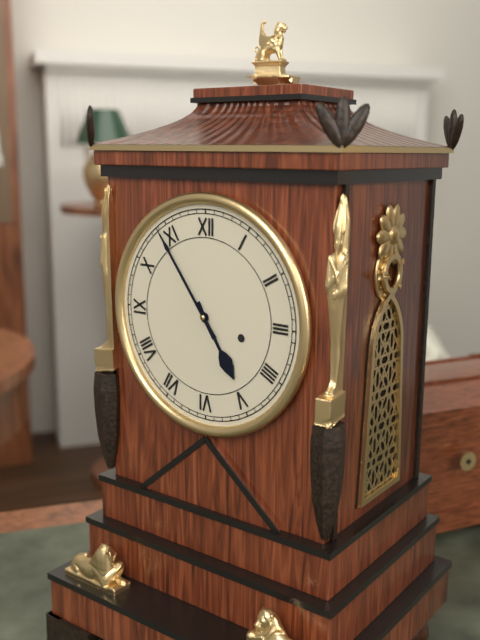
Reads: h=4 m=54
